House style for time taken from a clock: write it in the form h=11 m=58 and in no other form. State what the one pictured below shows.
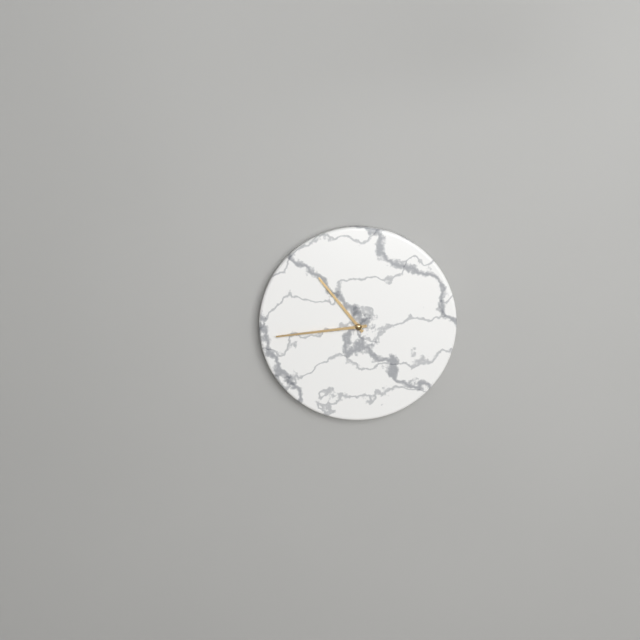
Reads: h=10 m=44
